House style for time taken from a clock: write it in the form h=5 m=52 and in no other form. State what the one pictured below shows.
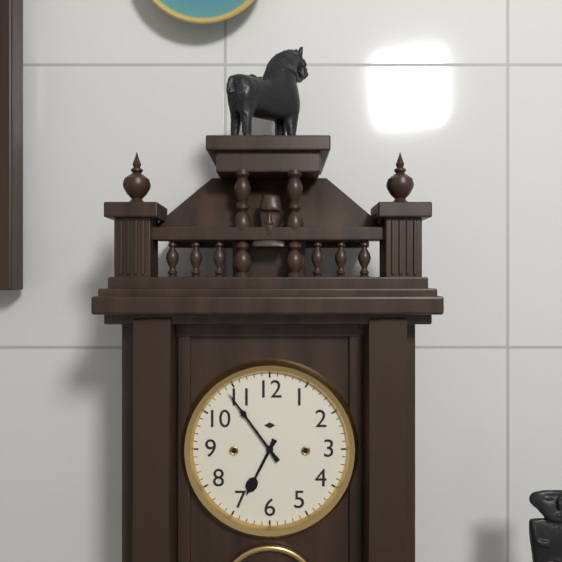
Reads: h=6 m=54
